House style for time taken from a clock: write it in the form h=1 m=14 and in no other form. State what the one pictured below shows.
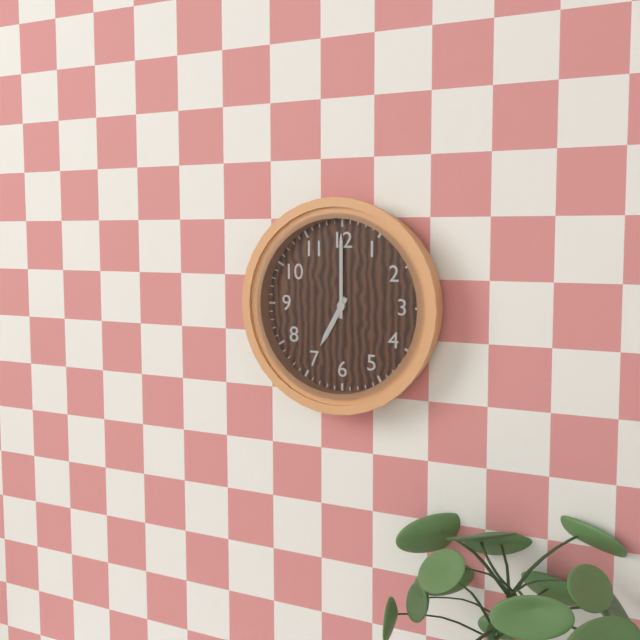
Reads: h=7 m=0
